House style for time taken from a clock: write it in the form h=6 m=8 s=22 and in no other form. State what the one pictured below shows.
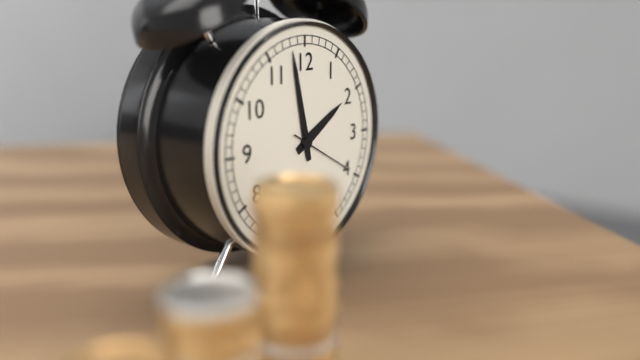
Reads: h=1 m=58 s=20
